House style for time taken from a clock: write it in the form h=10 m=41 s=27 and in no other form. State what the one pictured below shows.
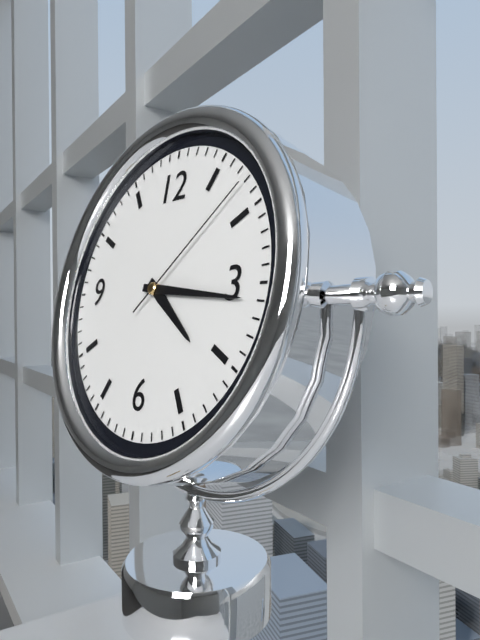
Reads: h=4 m=16 s=8
